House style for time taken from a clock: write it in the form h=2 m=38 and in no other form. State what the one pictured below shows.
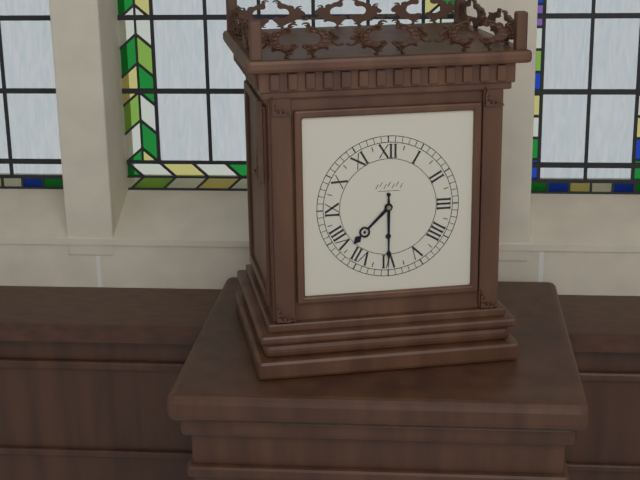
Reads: h=7 m=30
